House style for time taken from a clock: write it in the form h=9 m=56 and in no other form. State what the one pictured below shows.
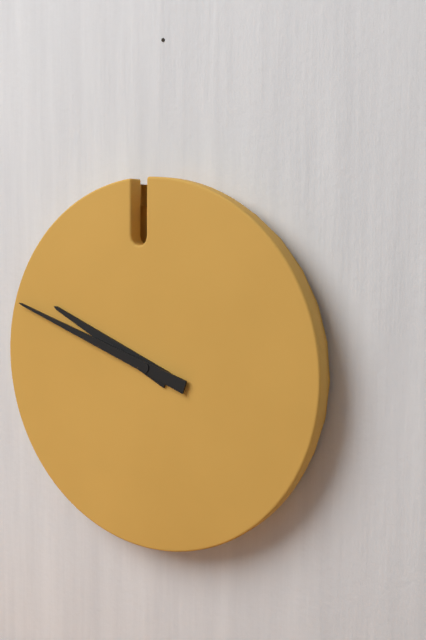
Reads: h=9 m=48
